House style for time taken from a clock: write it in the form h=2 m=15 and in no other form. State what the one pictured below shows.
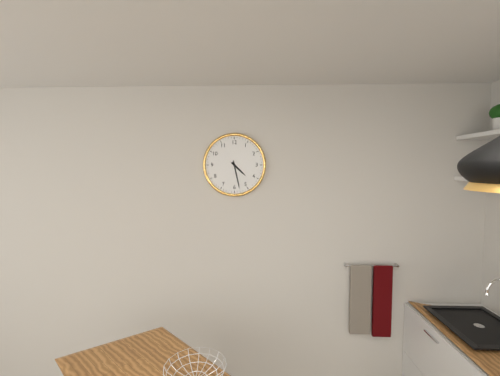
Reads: h=4 m=28
